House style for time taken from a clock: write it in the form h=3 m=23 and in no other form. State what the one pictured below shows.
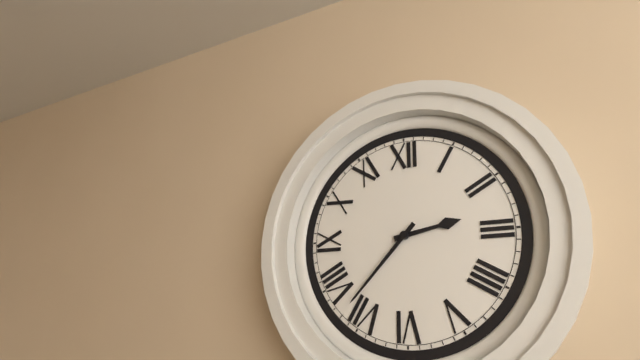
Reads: h=2 m=37
